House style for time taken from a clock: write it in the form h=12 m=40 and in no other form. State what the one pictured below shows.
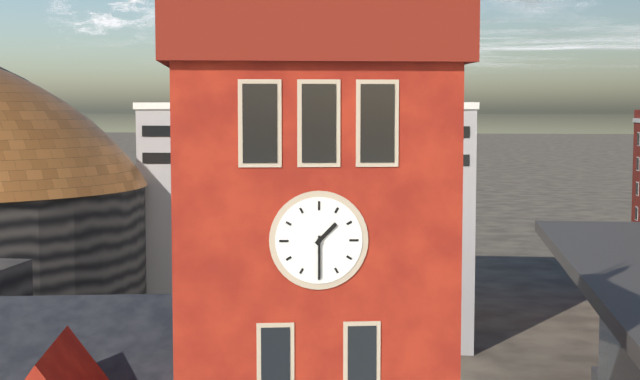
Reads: h=1 m=30
